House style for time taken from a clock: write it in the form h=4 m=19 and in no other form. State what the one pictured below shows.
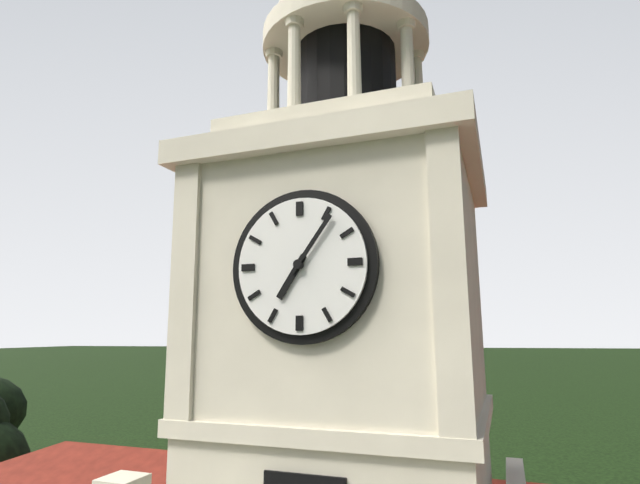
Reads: h=7 m=6
